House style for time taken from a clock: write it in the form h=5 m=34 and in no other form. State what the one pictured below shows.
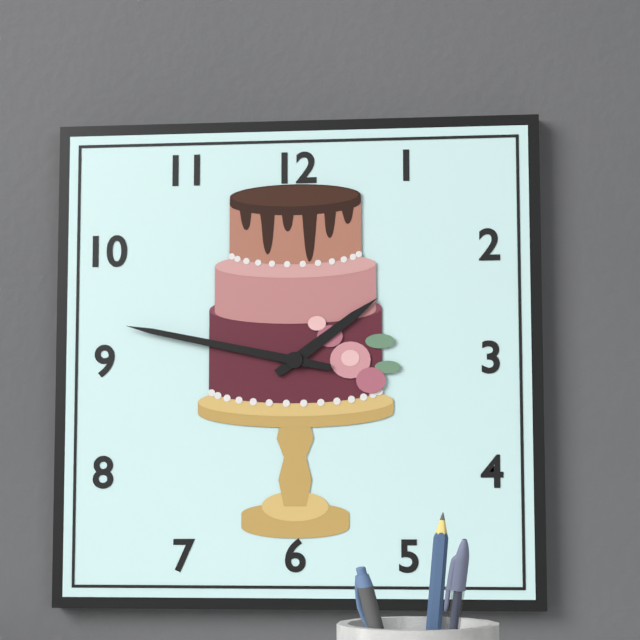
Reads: h=1 m=47
